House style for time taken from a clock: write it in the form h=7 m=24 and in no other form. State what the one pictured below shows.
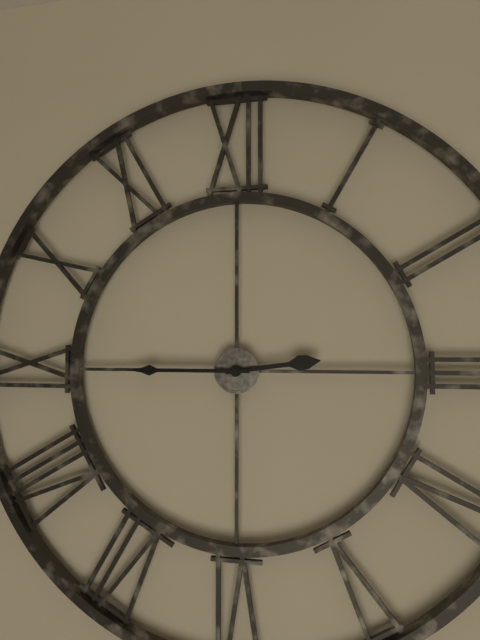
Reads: h=2 m=45
